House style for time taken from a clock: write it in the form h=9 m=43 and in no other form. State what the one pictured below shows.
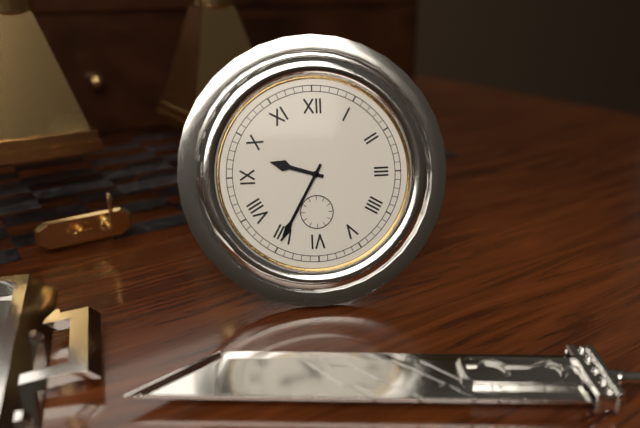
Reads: h=9 m=35
